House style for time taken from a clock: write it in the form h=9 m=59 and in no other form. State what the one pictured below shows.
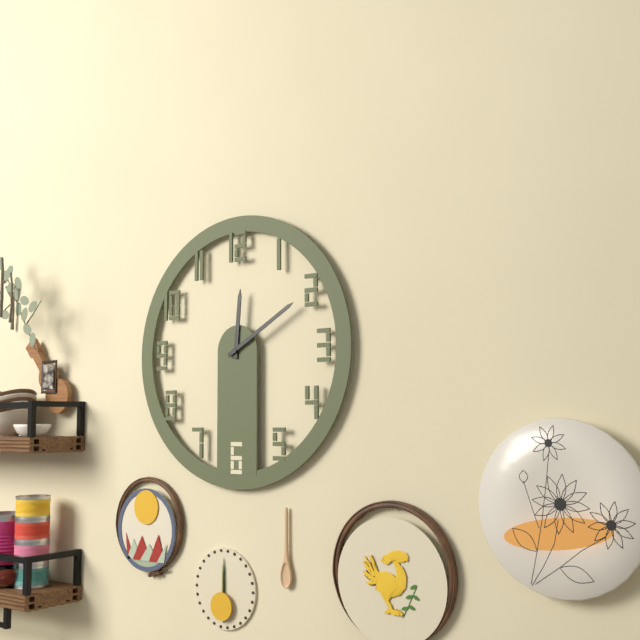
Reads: h=12 m=10
